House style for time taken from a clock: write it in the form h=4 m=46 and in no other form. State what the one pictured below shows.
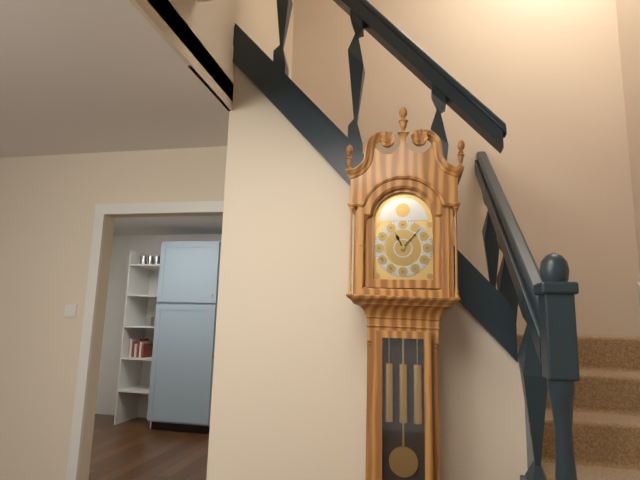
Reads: h=11 m=7
